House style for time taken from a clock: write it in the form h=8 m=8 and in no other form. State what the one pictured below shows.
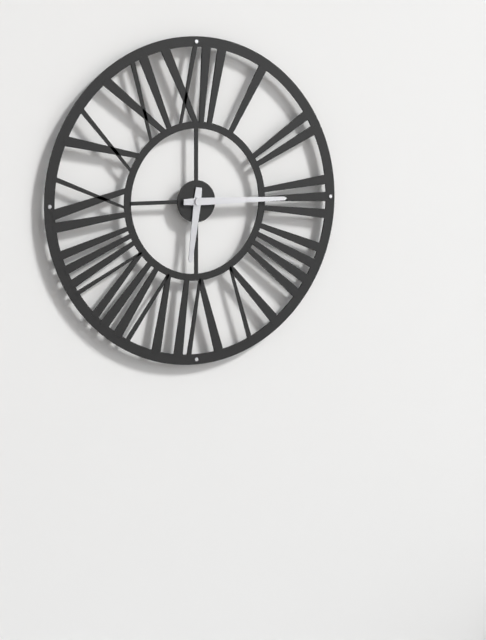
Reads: h=6 m=15
